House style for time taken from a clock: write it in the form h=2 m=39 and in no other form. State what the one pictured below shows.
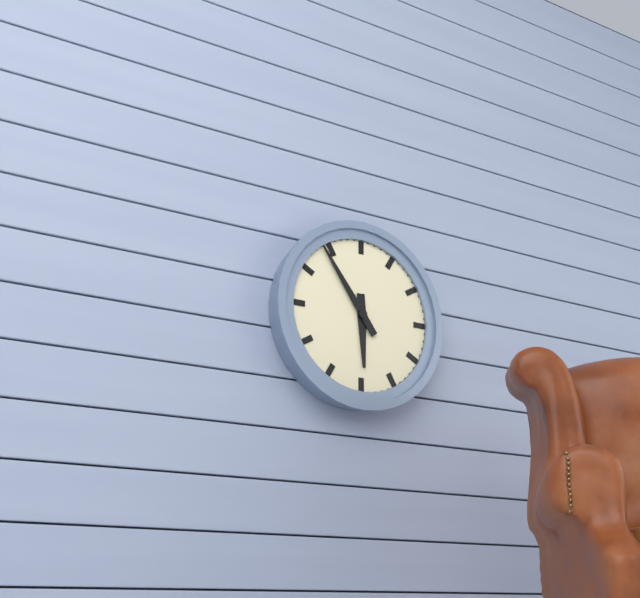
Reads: h=5 m=54
